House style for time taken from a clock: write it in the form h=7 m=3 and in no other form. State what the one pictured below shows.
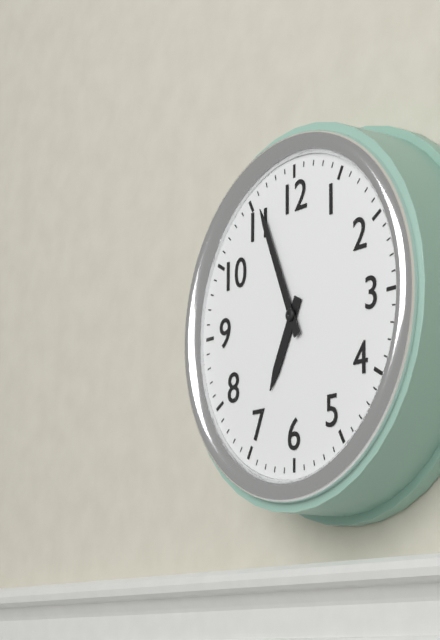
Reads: h=6 m=56
